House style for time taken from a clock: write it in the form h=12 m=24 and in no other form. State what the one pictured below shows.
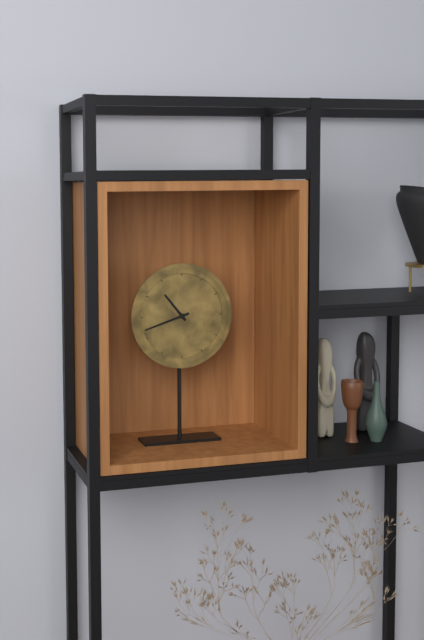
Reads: h=10 m=42
